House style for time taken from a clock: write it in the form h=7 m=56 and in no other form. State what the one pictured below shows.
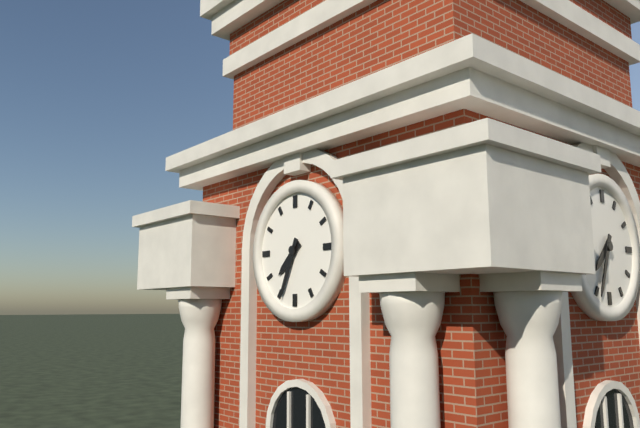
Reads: h=7 m=34
